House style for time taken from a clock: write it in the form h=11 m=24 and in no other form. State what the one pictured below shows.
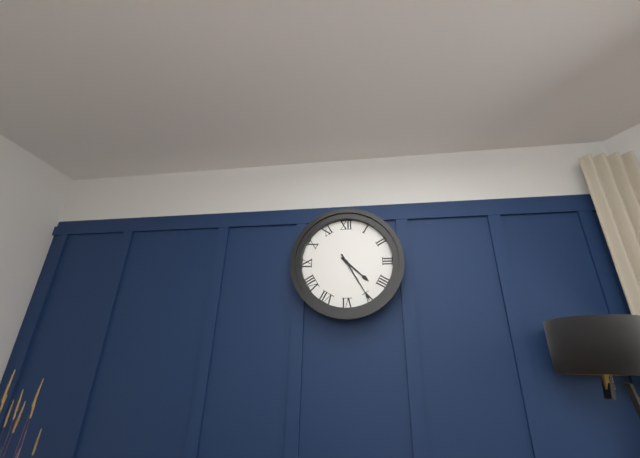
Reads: h=4 m=25
